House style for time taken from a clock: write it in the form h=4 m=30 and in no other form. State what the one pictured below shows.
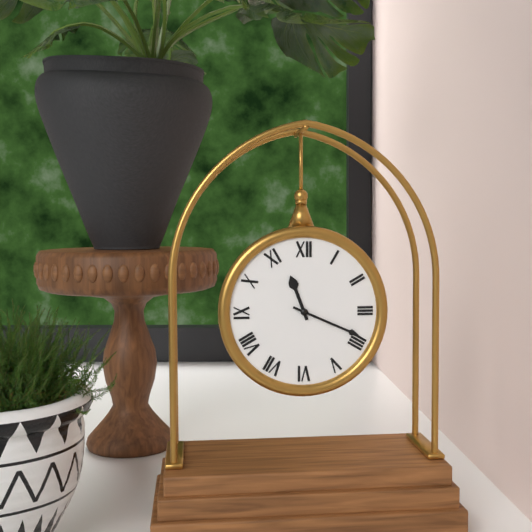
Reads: h=11 m=19
